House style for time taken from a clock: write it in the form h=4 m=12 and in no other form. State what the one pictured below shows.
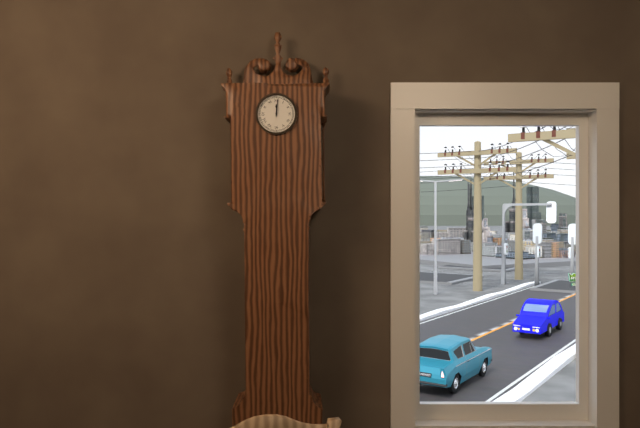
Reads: h=12 m=1
